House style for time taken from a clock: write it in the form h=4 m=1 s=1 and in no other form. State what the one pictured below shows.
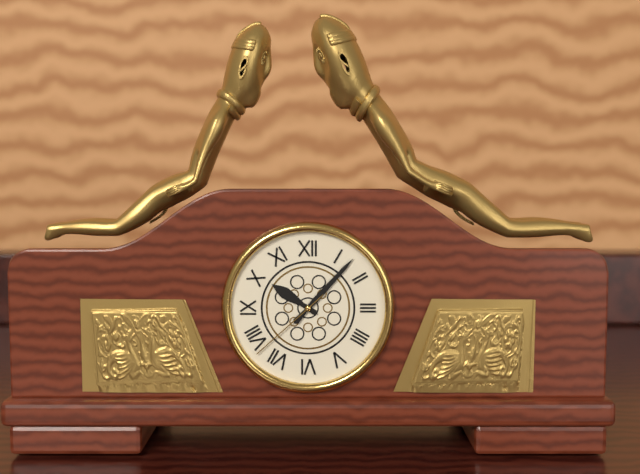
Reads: h=10 m=7 s=38
